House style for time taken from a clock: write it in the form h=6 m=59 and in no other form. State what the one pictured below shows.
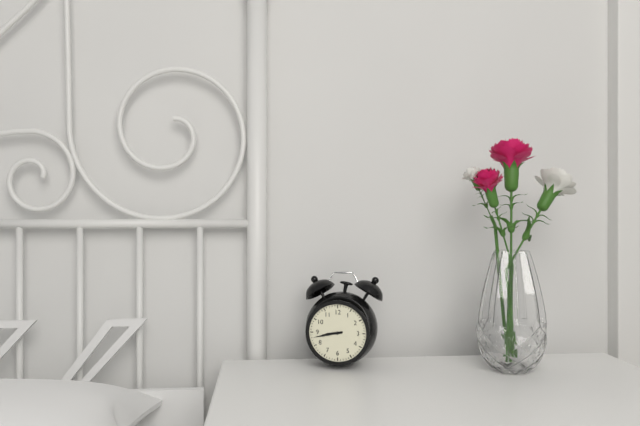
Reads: h=8 m=43
